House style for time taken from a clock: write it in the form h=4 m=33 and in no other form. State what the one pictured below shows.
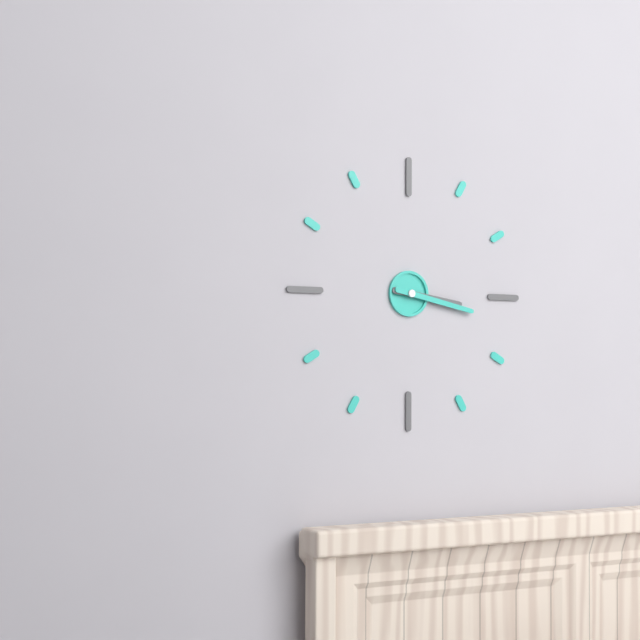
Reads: h=3 m=17
